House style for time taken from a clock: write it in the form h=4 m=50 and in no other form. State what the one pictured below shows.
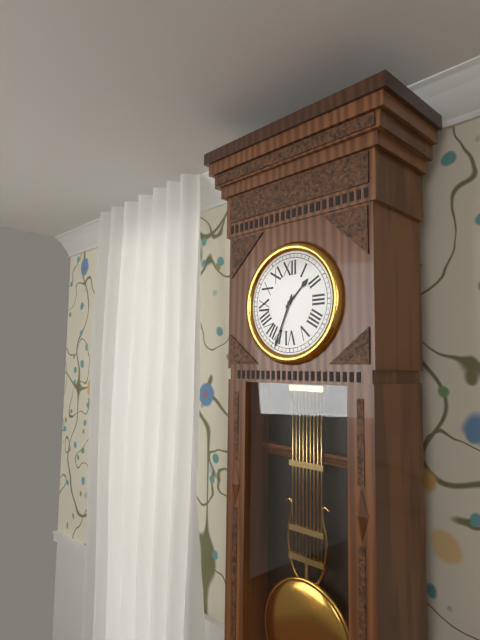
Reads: h=1 m=34
